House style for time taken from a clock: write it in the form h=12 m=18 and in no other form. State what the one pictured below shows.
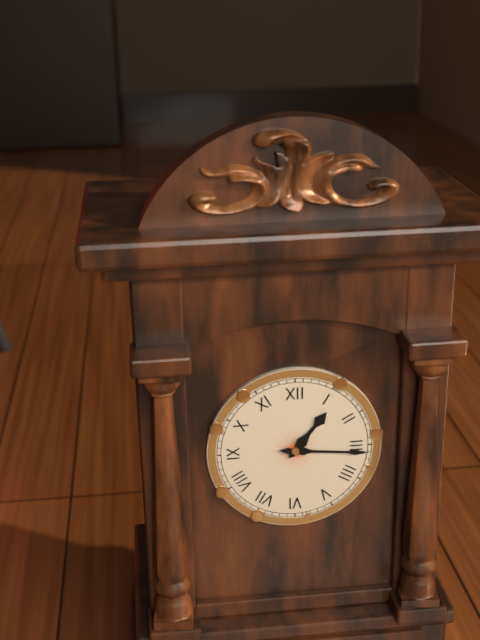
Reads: h=1 m=16
